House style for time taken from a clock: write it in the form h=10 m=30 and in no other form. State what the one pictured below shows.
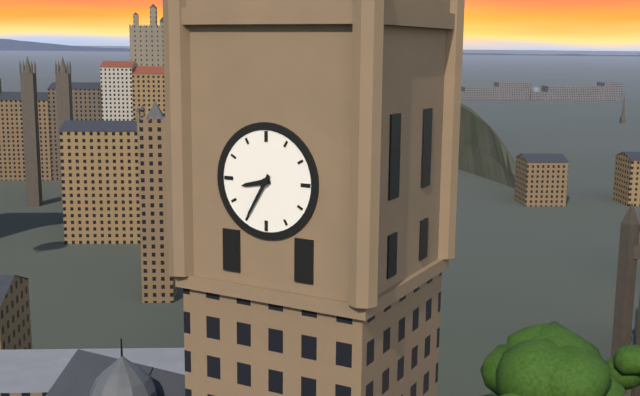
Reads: h=8 m=35
